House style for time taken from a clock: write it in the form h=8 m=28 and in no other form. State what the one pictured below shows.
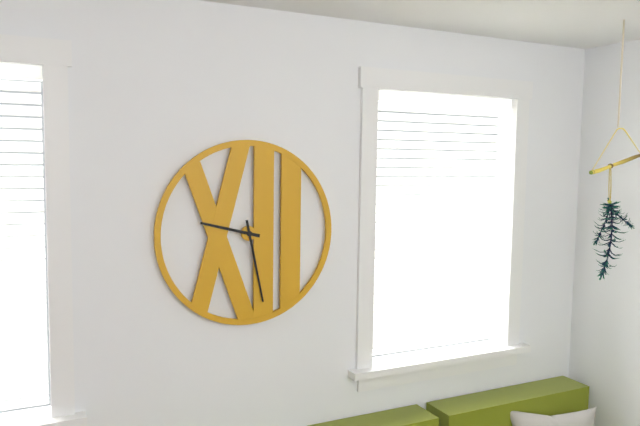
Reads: h=9 m=28
